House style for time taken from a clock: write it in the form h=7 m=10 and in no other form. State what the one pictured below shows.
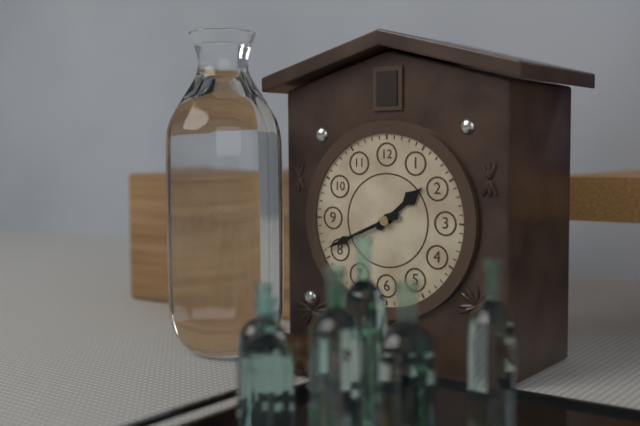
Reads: h=1 m=41
